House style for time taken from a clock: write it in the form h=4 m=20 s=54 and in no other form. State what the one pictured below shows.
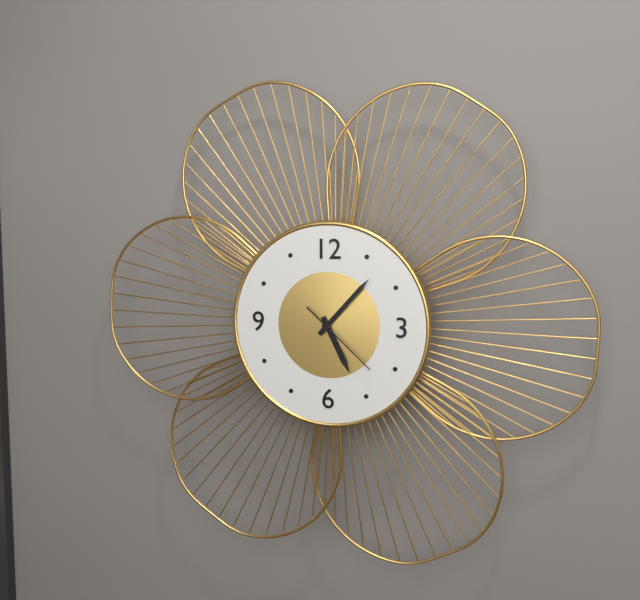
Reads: h=5 m=7 s=22
